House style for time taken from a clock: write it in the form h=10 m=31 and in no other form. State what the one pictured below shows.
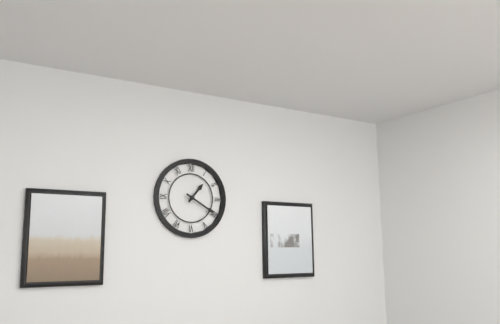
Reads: h=1 m=20
